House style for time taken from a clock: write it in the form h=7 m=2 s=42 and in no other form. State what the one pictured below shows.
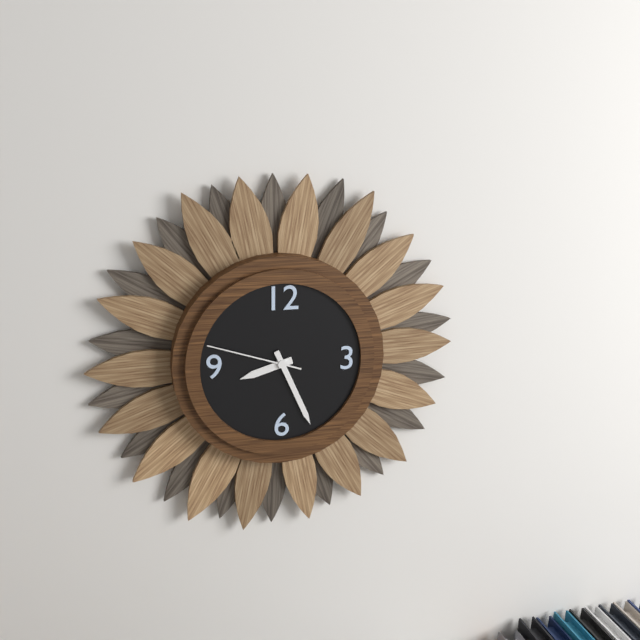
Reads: h=8 m=26 s=48
